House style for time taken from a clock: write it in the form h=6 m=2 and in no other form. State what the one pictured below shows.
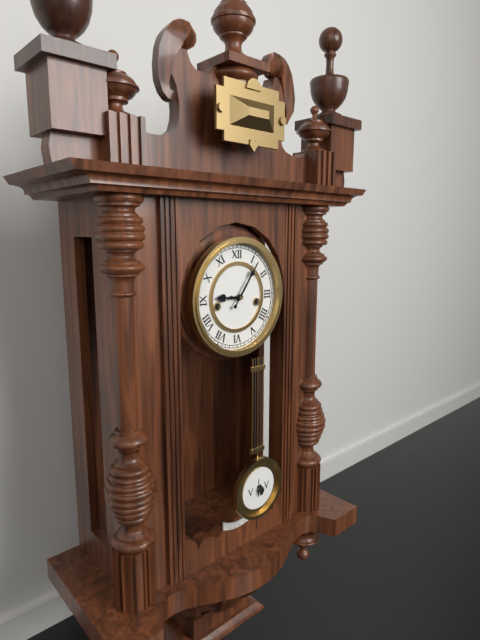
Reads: h=9 m=6
